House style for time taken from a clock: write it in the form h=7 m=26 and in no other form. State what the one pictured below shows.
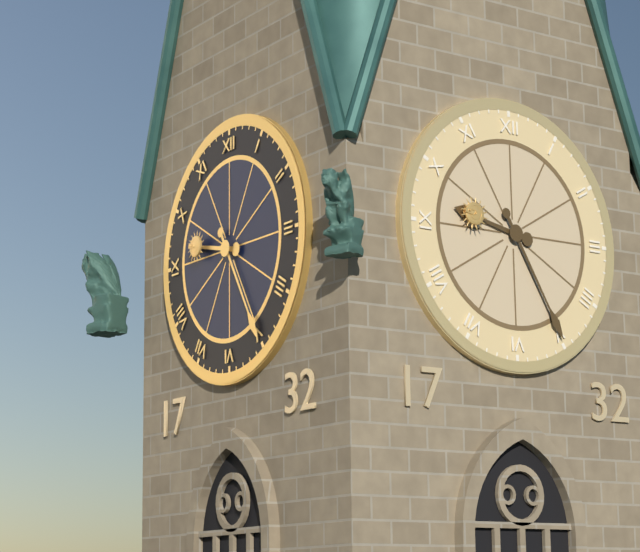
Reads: h=9 m=25
